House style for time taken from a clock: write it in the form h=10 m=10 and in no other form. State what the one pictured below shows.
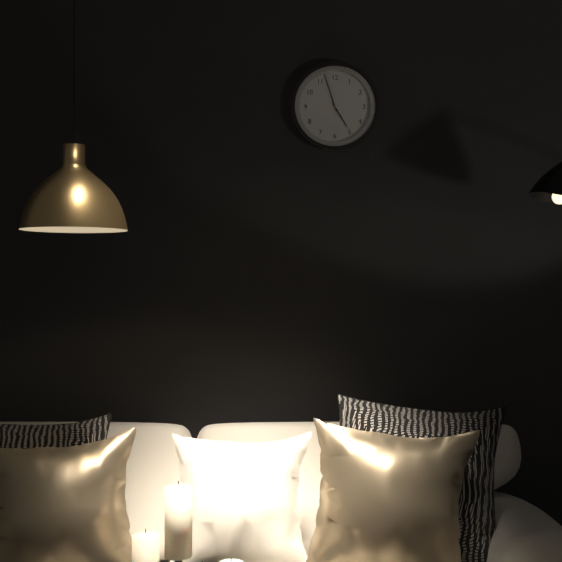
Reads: h=4 m=57
